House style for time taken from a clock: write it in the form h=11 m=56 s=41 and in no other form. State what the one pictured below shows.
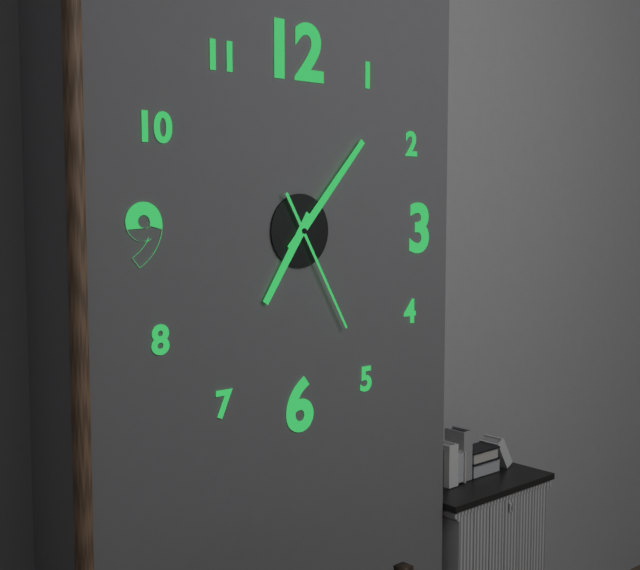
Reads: h=7 m=7 s=25
